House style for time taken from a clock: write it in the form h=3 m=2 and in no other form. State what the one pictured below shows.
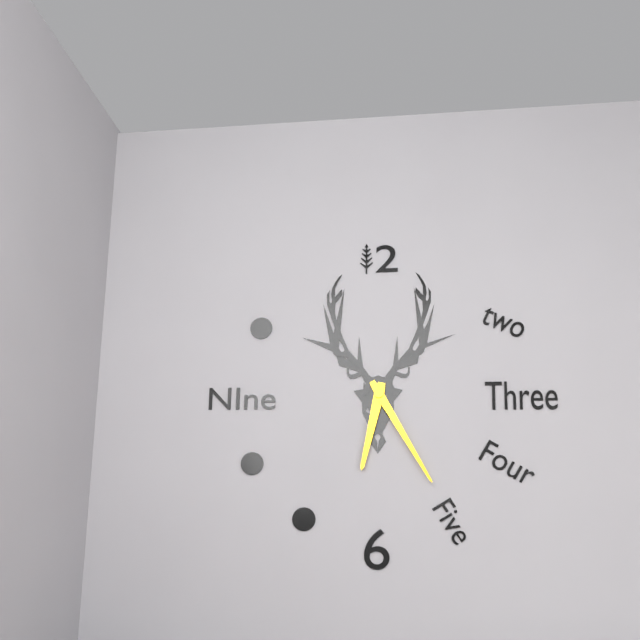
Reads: h=6 m=25
